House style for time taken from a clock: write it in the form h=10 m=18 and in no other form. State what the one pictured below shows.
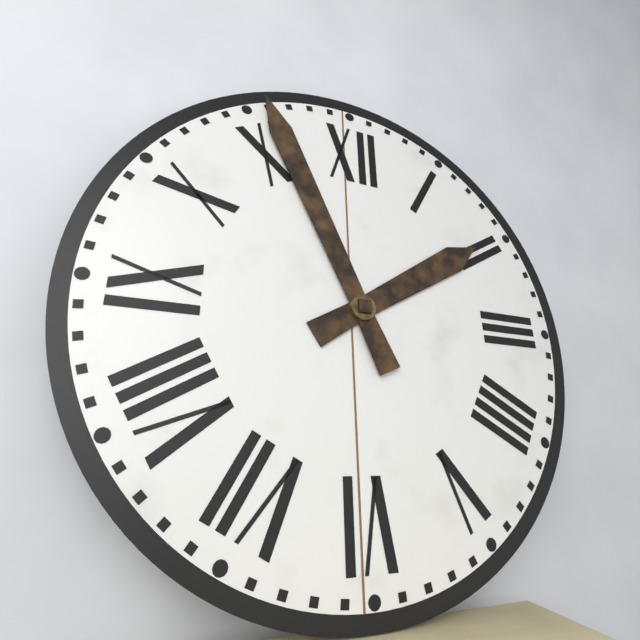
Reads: h=1 m=56
